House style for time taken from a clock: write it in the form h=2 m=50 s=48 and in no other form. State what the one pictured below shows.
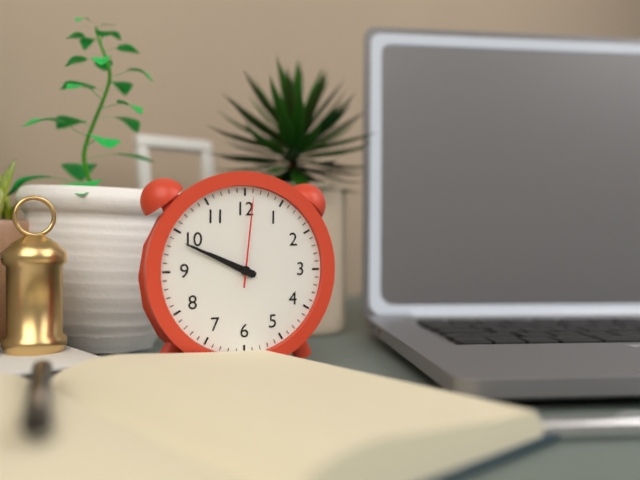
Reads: h=9 m=49 s=1
